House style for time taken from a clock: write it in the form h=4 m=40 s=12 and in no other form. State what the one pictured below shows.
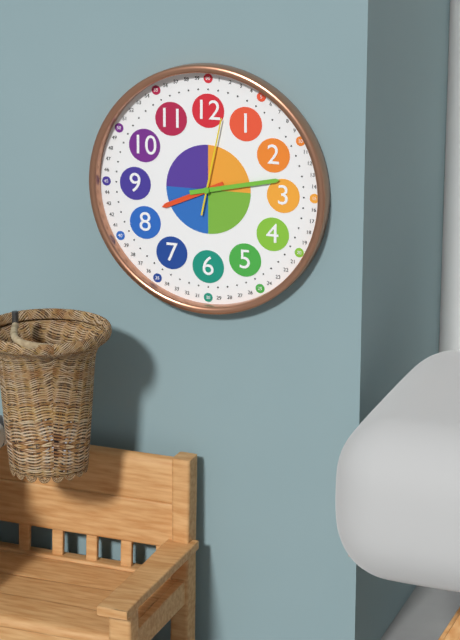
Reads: h=8 m=13 s=2
